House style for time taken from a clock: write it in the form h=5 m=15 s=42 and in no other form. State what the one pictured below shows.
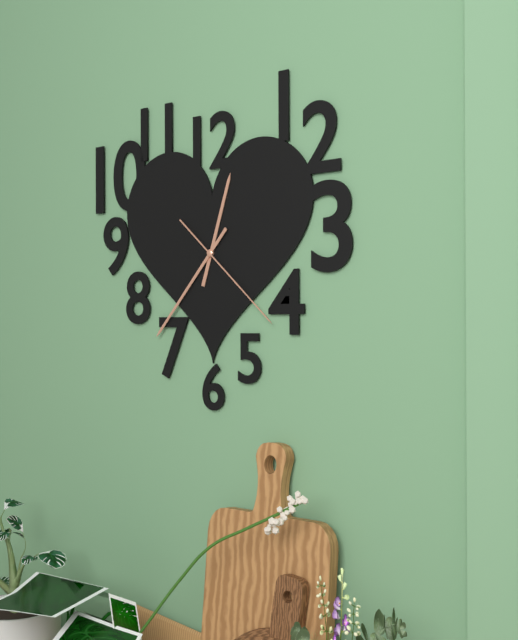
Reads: h=12 m=37 s=22
